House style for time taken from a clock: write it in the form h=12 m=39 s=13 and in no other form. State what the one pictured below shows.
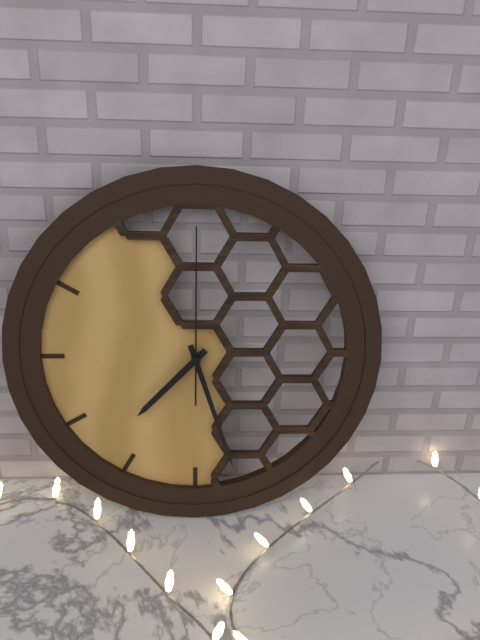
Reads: h=7 m=27 s=0
